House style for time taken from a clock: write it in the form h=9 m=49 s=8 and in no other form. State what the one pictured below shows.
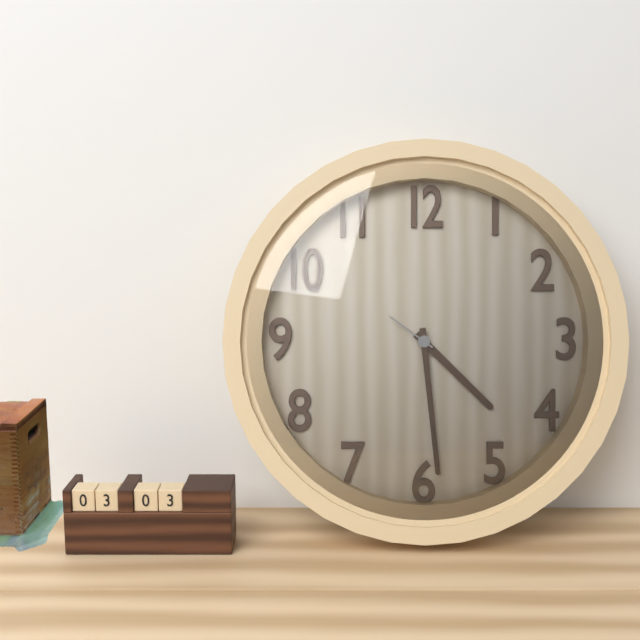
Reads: h=4 m=29 s=51
